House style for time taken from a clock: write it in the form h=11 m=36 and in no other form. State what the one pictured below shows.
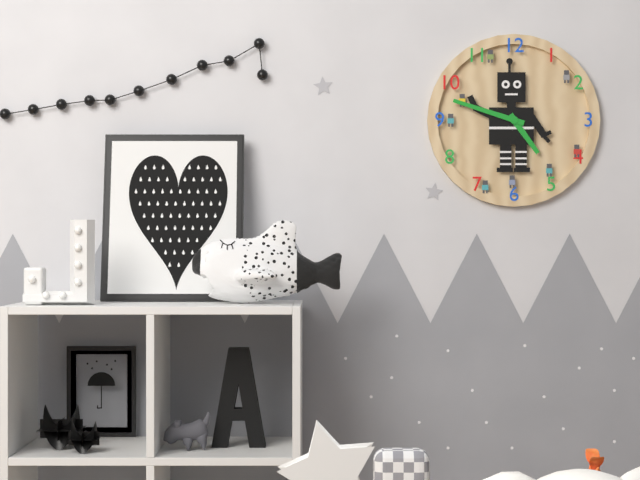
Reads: h=4 m=48
